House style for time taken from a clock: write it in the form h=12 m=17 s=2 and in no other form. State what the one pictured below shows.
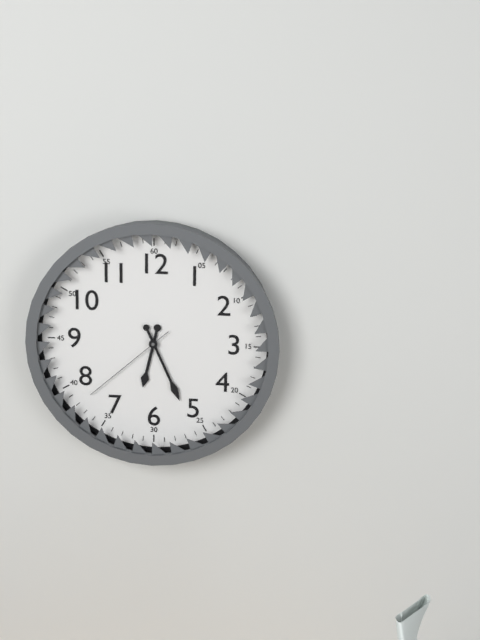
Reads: h=6 m=26 s=38
